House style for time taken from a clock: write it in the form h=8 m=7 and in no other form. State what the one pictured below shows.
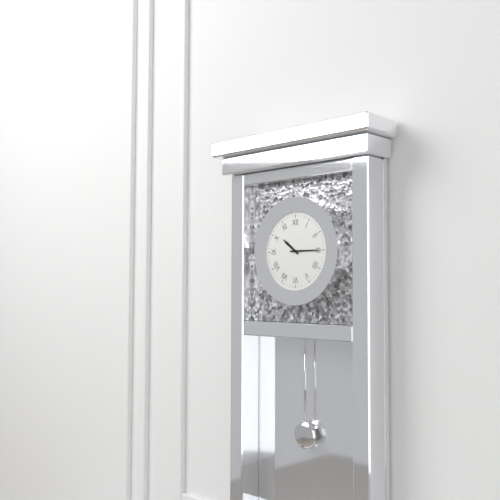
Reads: h=10 m=15
